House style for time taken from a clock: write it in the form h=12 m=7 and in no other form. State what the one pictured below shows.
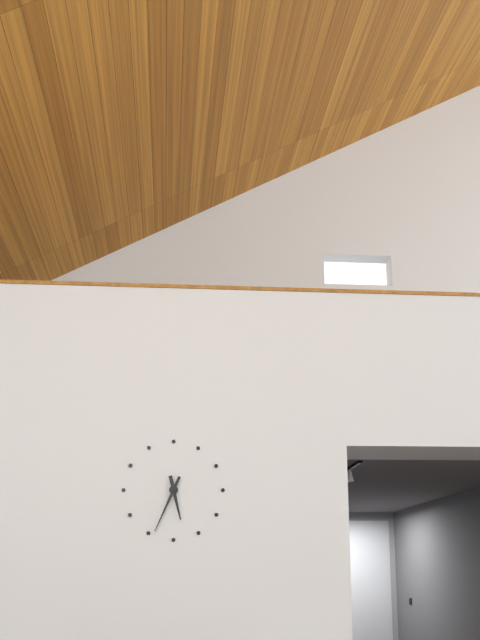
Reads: h=5 m=34
